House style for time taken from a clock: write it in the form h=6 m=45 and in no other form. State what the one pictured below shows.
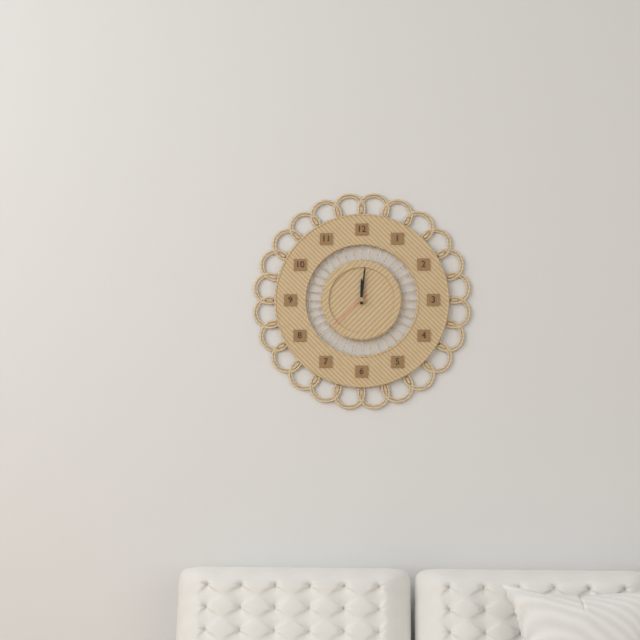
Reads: h=12 m=1
